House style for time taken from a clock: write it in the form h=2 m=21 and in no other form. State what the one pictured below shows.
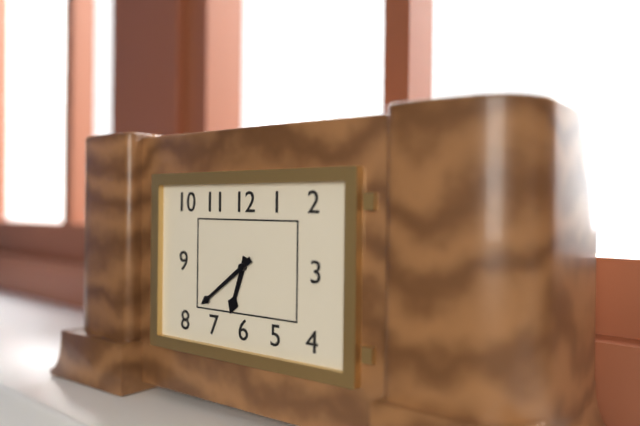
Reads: h=6 m=39
